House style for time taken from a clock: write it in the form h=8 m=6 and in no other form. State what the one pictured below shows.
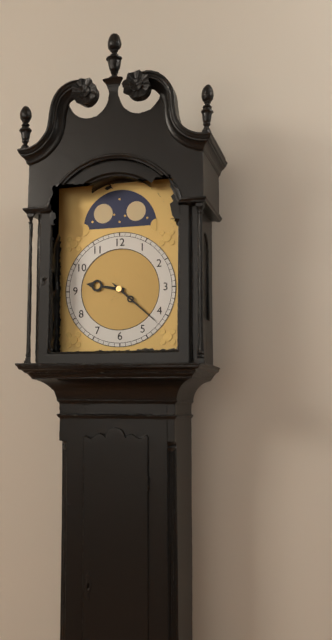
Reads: h=9 m=22
